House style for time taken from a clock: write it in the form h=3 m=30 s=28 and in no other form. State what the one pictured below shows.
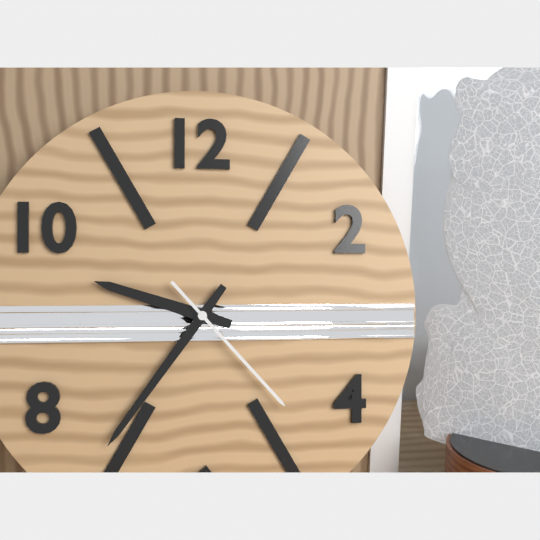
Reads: h=9 m=36 s=23
